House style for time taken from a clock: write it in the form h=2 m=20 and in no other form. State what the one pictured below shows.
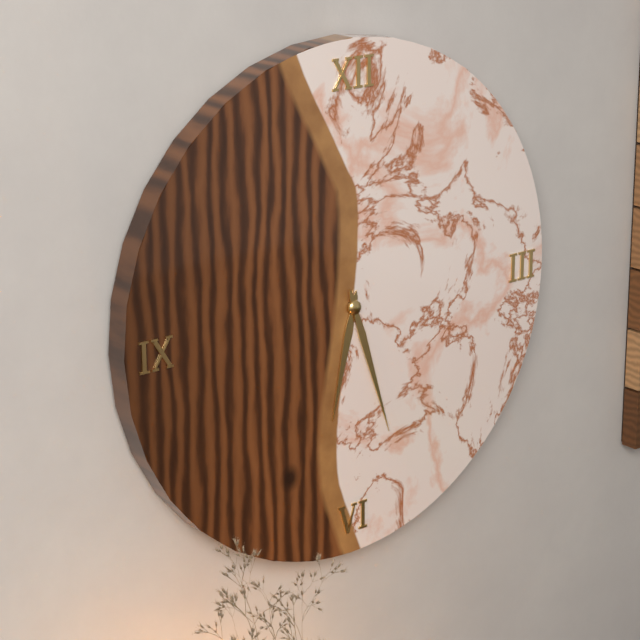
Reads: h=6 m=27
